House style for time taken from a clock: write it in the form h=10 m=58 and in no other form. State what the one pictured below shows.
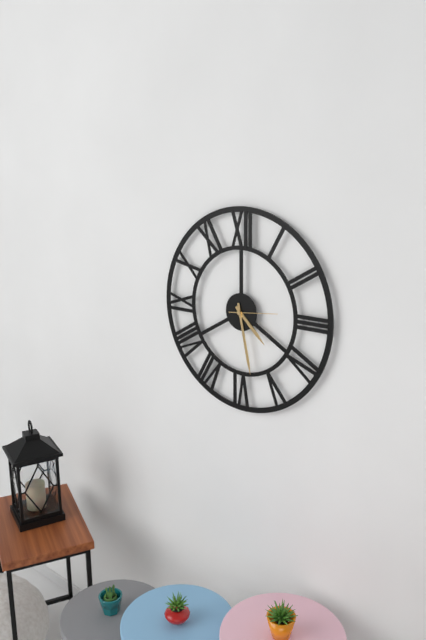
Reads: h=4 m=28
